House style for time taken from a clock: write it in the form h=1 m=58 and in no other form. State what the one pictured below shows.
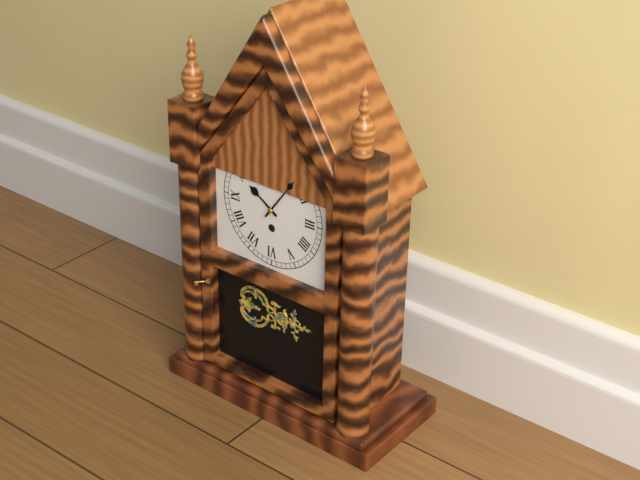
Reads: h=10 m=6
